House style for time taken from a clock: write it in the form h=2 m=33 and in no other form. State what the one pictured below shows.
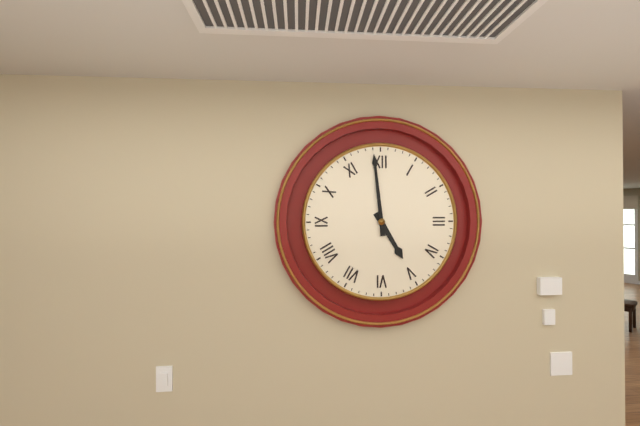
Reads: h=4 m=59
